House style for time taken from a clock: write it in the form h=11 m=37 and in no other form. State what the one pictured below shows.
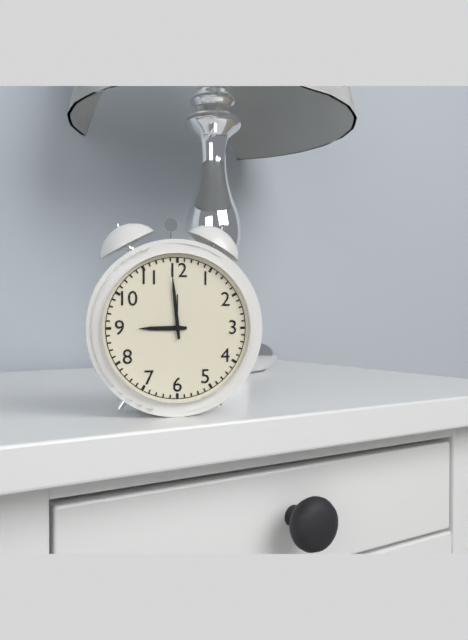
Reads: h=8 m=59
